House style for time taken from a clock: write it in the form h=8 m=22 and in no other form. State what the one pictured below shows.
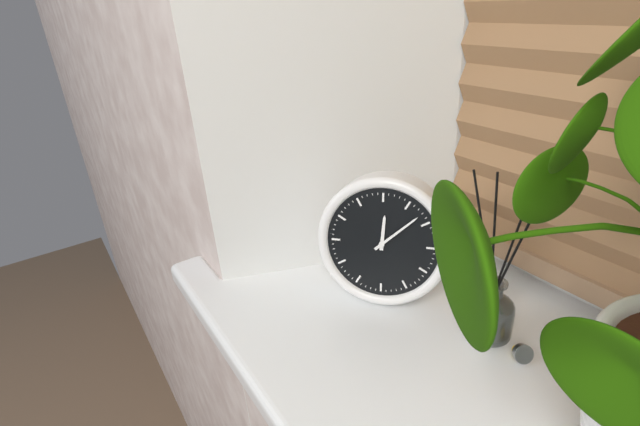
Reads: h=12 m=8
